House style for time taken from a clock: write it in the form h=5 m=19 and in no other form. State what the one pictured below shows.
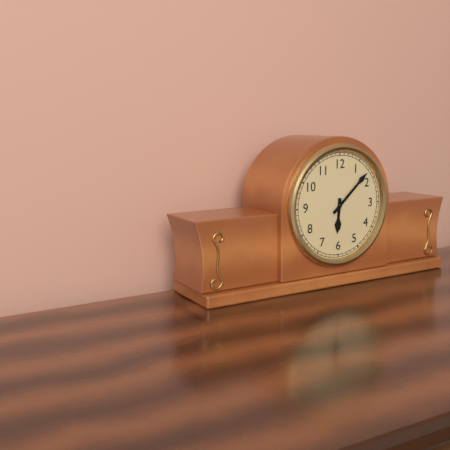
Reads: h=6 m=8
